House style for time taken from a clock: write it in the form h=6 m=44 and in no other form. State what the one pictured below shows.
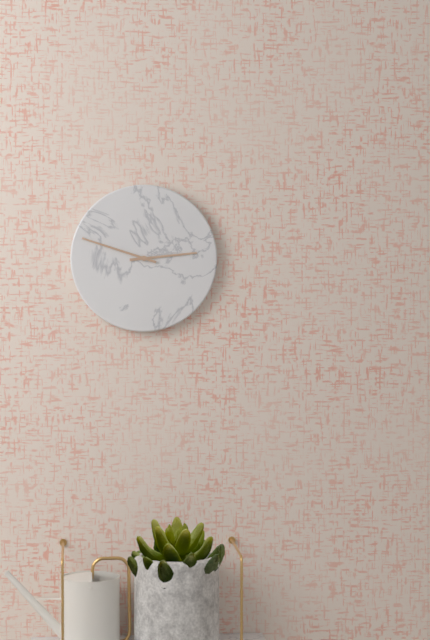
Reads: h=2 m=48
